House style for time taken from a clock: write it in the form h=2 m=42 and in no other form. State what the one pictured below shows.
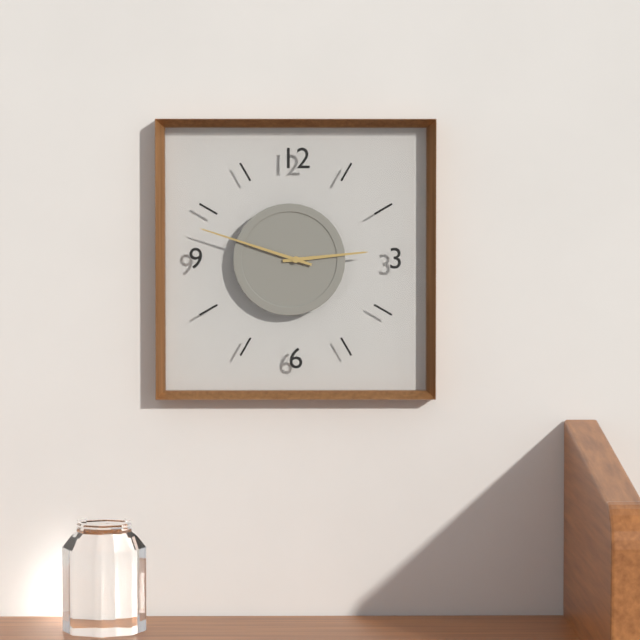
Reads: h=2 m=48
